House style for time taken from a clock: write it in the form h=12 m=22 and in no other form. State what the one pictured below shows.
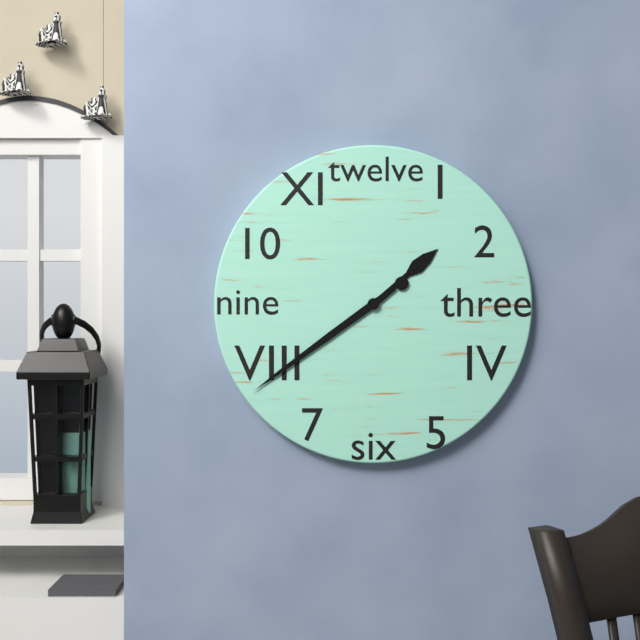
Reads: h=1 m=39
